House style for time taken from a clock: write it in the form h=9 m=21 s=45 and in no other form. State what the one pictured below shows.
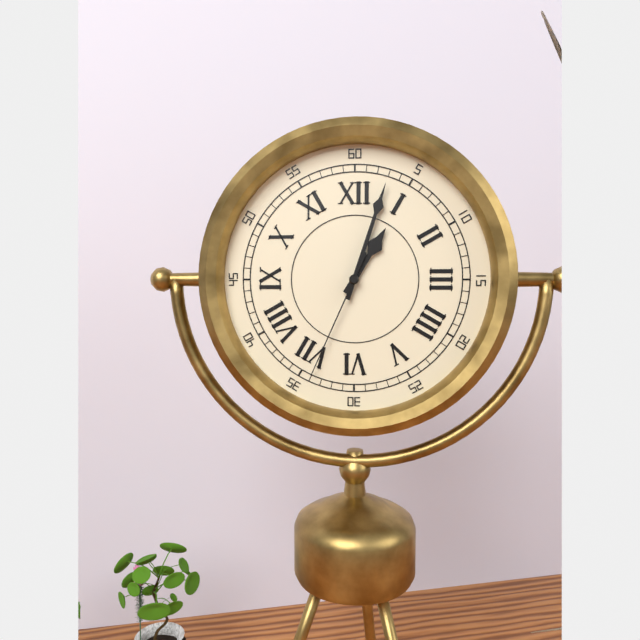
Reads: h=1 m=3 s=34
